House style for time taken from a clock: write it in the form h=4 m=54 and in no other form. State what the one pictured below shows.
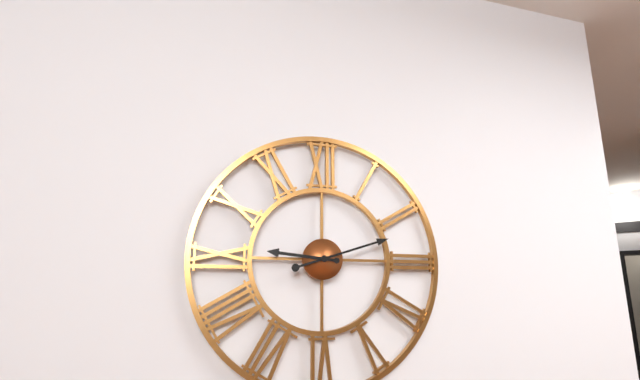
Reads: h=9 m=12
